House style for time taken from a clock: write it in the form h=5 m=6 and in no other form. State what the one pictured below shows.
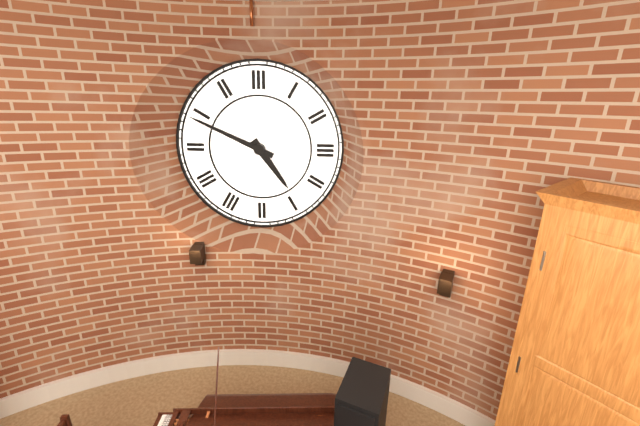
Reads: h=4 m=49
